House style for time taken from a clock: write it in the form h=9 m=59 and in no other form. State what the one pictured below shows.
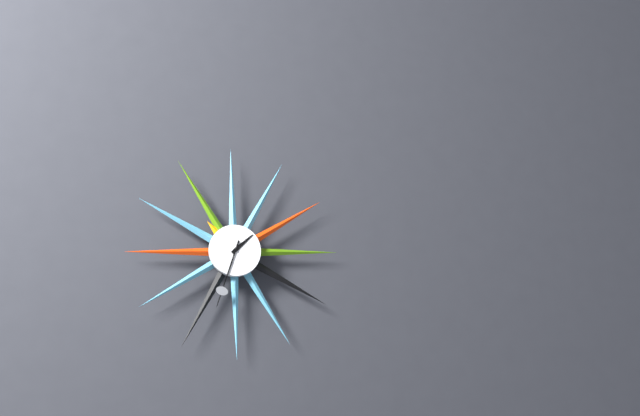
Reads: h=1 m=33
